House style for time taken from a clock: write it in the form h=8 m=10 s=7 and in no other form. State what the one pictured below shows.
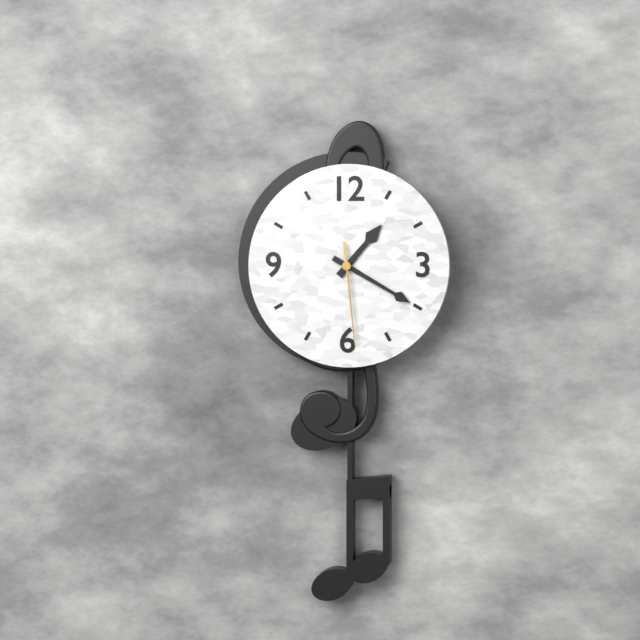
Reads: h=1 m=20 s=29
